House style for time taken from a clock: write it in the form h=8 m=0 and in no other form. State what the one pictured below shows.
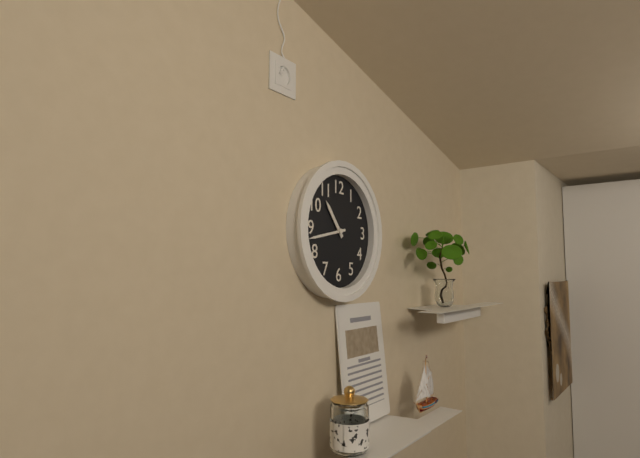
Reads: h=10 m=43
